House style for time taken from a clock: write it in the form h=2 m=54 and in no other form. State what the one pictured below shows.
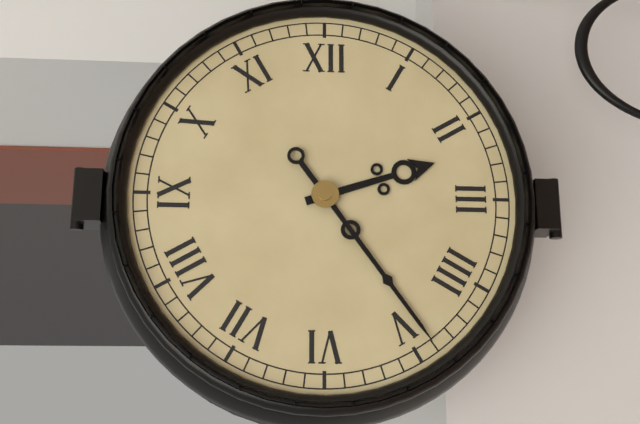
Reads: h=2 m=24
